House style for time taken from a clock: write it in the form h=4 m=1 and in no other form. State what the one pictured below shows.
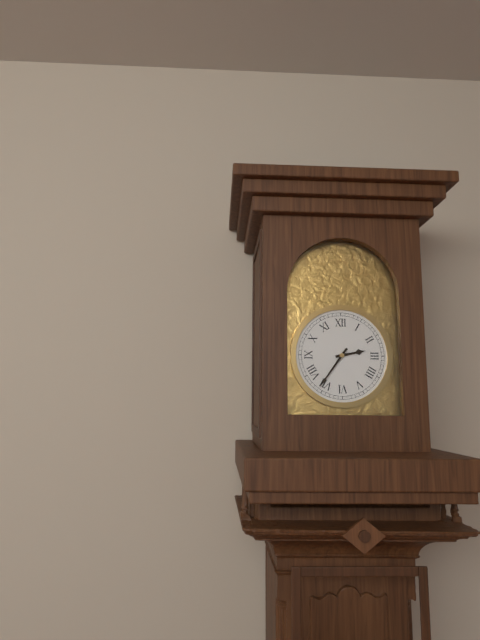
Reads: h=2 m=36
